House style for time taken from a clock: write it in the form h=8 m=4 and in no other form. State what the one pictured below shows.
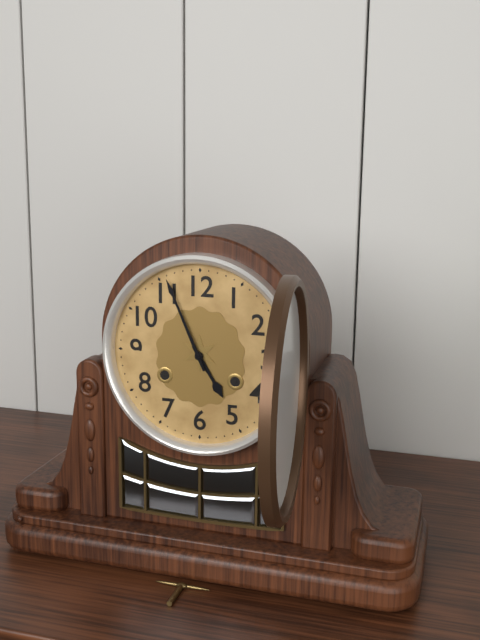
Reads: h=4 m=56
